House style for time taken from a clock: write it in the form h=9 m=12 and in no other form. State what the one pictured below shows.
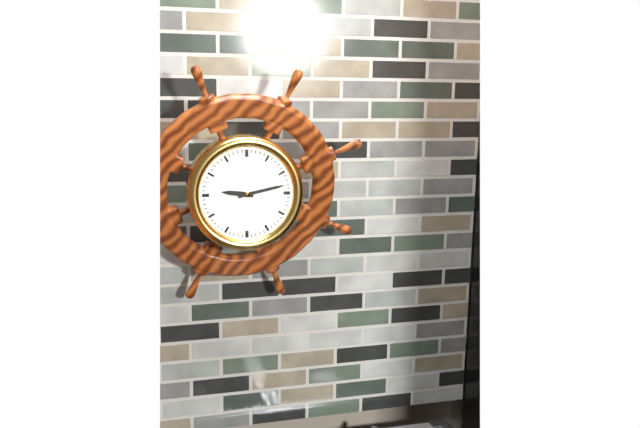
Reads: h=9 m=13
